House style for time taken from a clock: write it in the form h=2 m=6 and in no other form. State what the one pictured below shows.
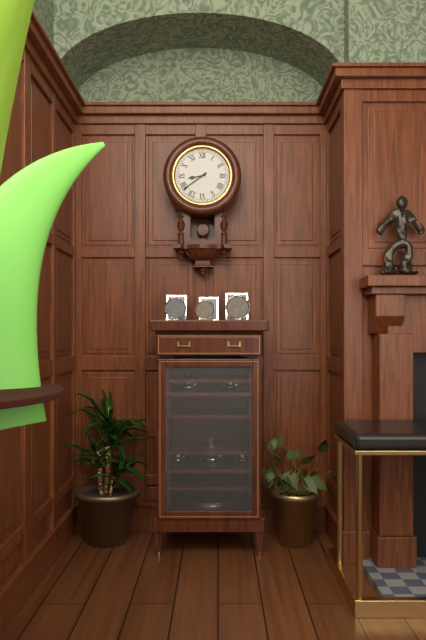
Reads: h=8 m=39
